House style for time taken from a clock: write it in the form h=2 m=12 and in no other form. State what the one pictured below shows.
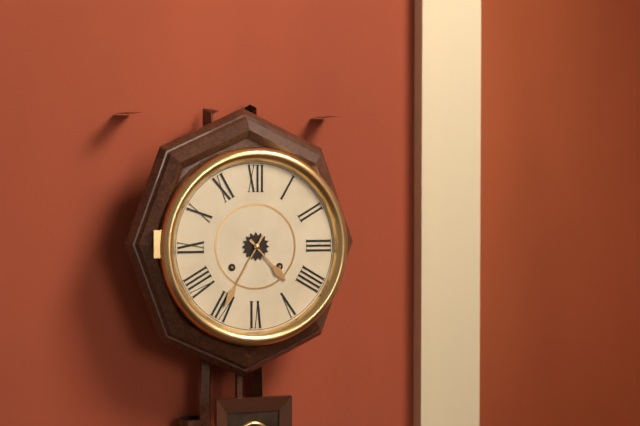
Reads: h=4 m=35
